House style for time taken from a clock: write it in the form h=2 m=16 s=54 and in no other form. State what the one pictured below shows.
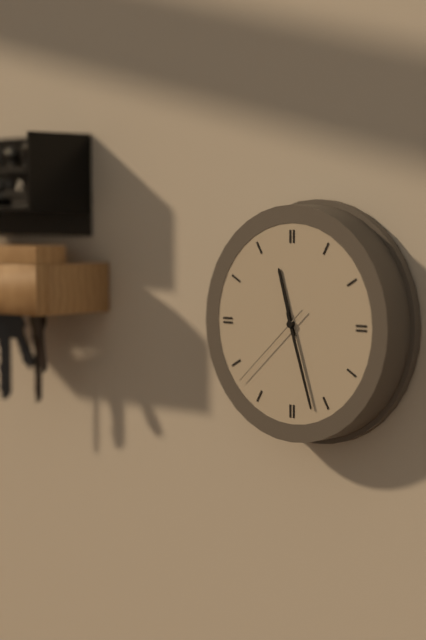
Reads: h=11 m=27 s=38
